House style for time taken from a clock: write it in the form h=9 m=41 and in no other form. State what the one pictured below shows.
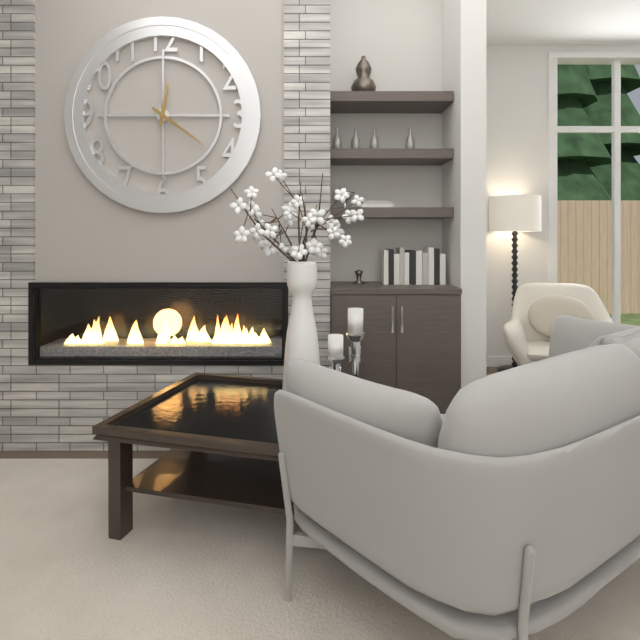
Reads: h=12 m=21
